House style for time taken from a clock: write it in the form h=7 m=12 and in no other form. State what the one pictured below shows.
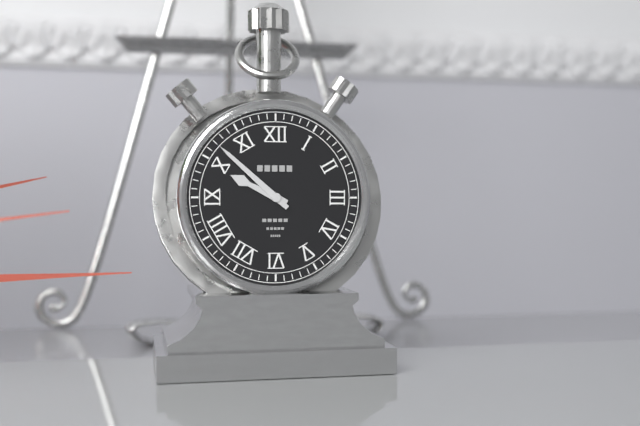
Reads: h=9 m=52
